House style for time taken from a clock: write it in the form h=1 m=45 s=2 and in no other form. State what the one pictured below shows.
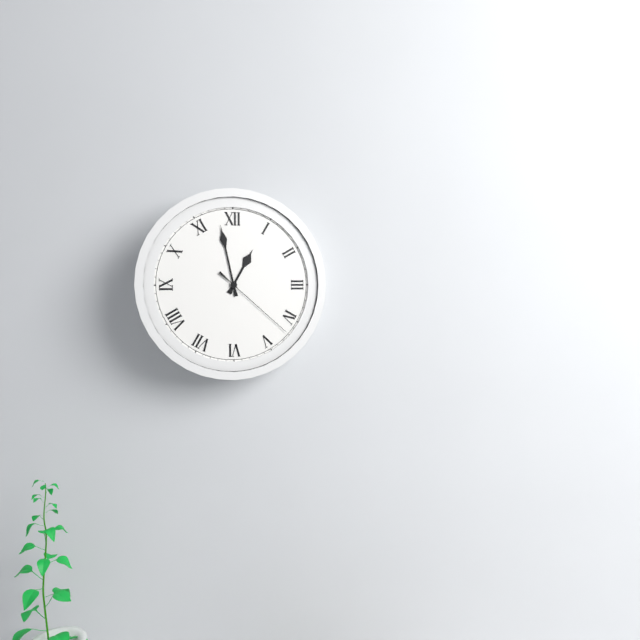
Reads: h=12 m=58 s=22
